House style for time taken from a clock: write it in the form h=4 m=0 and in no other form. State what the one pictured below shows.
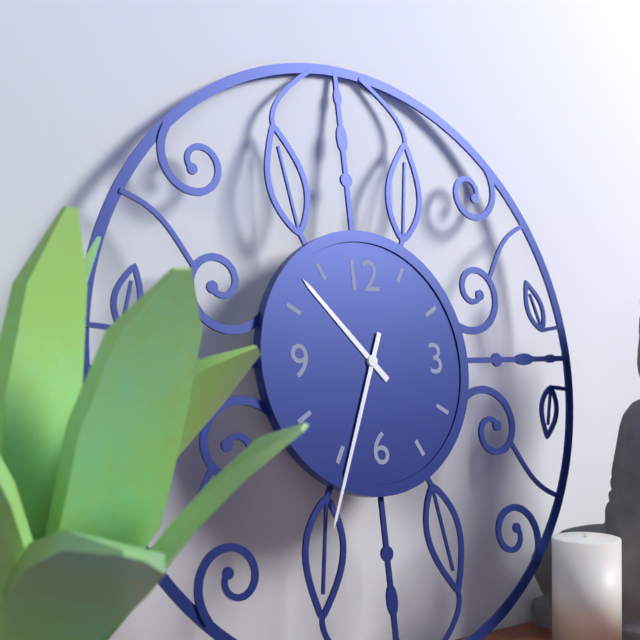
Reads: h=10 m=34
